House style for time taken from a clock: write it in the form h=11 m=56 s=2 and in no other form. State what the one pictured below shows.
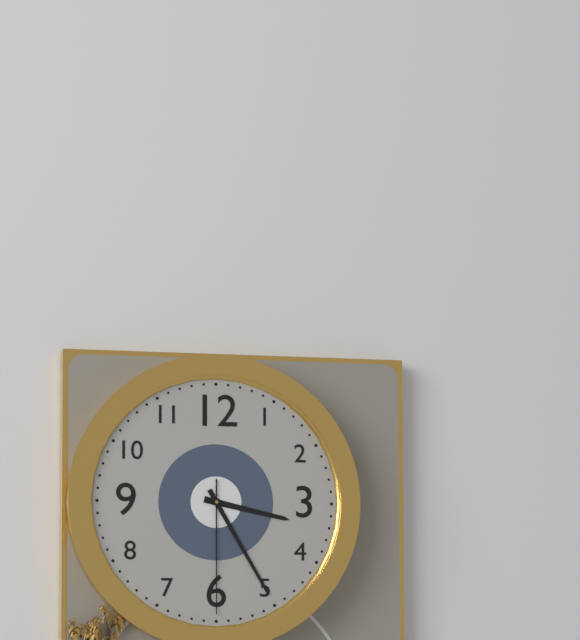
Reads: h=3 m=25 s=30
